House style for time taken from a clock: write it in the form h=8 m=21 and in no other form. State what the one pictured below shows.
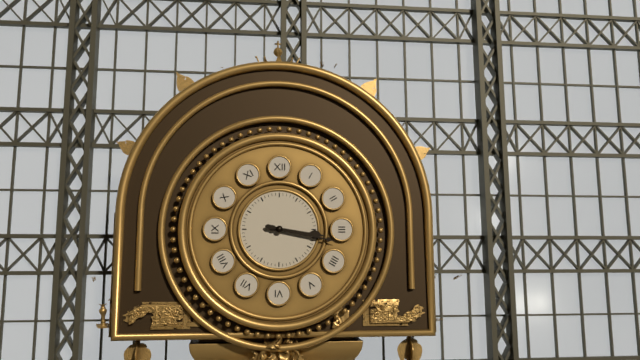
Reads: h=3 m=17
